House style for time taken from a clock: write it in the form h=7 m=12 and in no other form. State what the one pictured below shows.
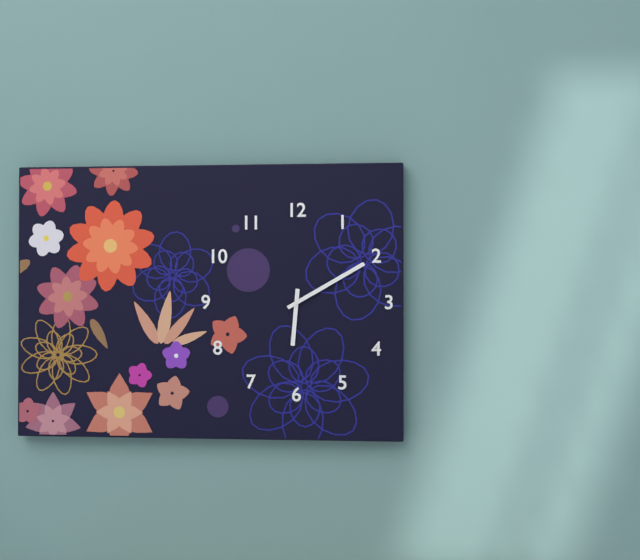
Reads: h=6 m=10
